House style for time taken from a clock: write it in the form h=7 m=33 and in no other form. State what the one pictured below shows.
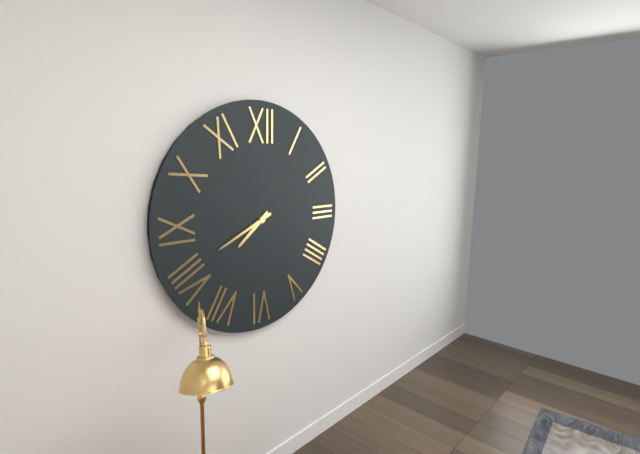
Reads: h=7 m=41
